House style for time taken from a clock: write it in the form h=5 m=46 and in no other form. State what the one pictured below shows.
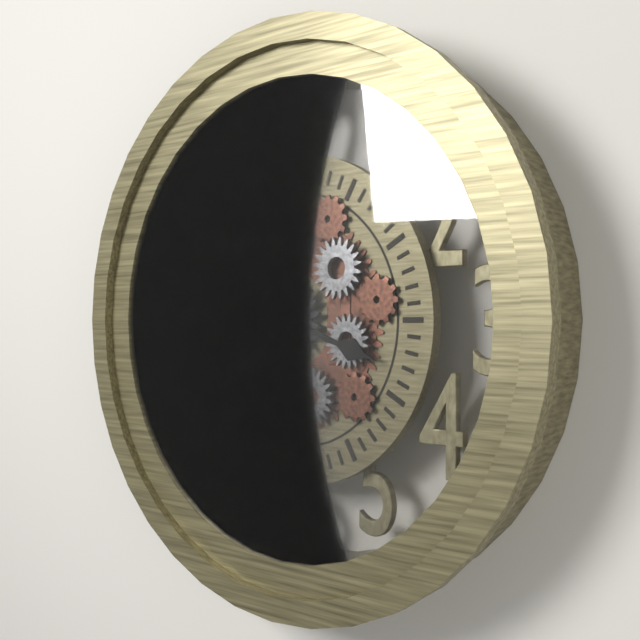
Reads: h=3 m=37
